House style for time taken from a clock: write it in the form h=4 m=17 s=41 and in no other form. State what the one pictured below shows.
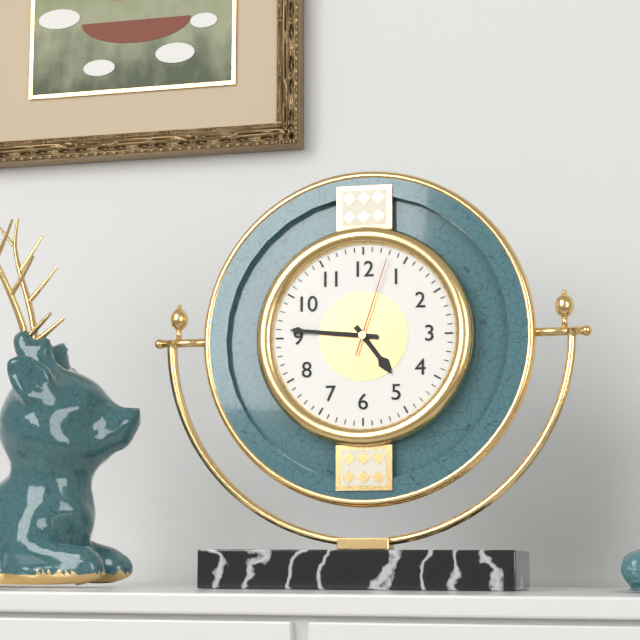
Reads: h=4 m=46 s=3
